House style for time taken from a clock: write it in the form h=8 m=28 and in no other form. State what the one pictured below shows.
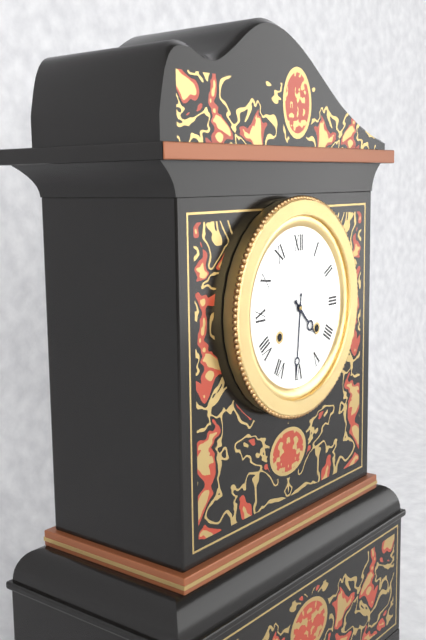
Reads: h=4 m=31
